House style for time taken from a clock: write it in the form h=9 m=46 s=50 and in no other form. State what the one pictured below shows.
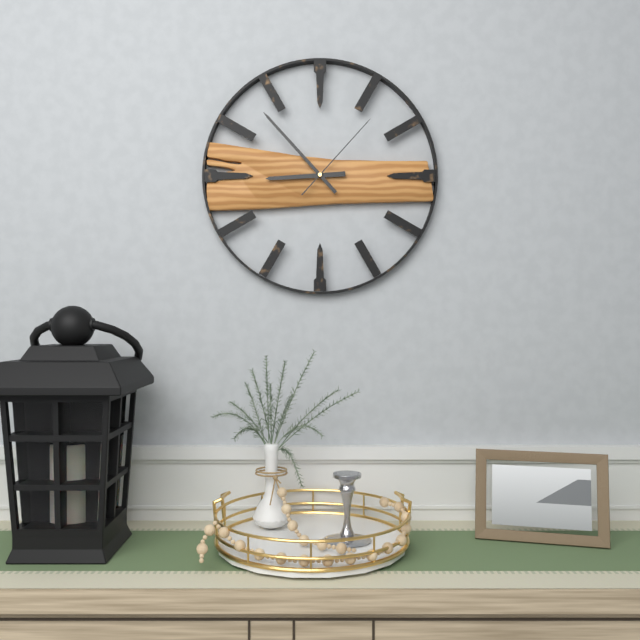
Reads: h=8 m=53 s=7
